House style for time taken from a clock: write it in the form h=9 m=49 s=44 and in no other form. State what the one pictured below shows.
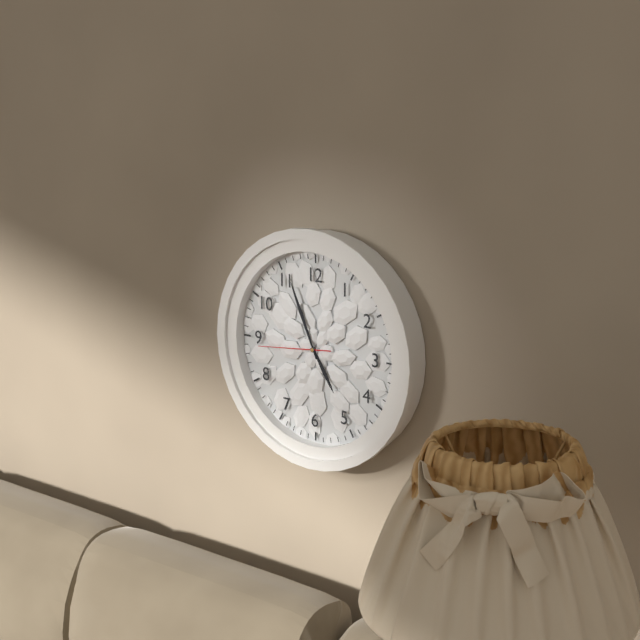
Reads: h=4 m=56 s=44
